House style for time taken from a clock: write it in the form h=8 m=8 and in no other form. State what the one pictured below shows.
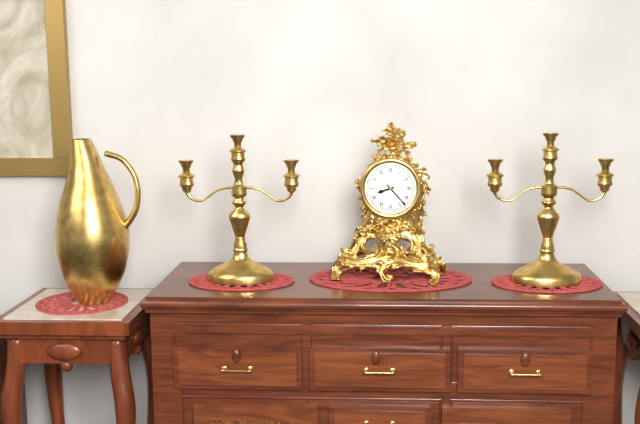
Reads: h=8 m=23
